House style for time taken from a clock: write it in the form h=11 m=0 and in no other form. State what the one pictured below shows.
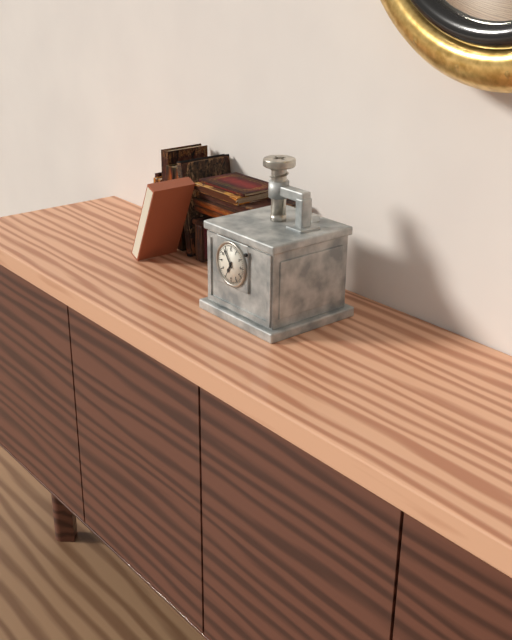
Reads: h=6 m=54
